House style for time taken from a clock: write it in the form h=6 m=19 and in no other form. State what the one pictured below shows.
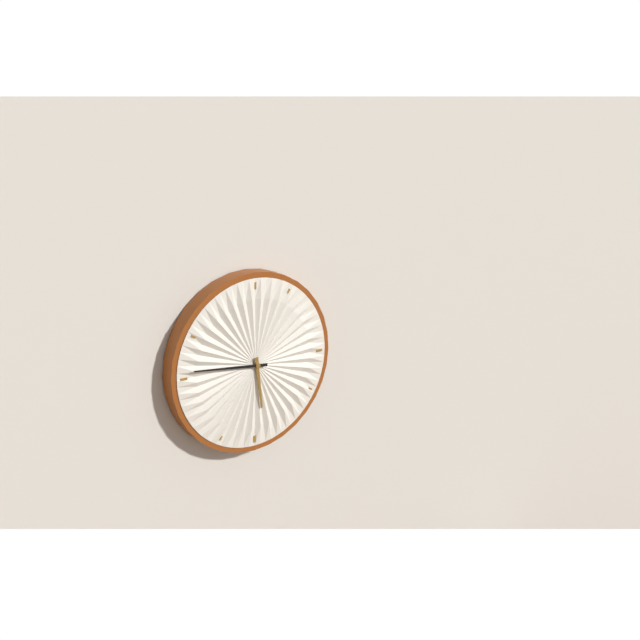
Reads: h=5 m=46
